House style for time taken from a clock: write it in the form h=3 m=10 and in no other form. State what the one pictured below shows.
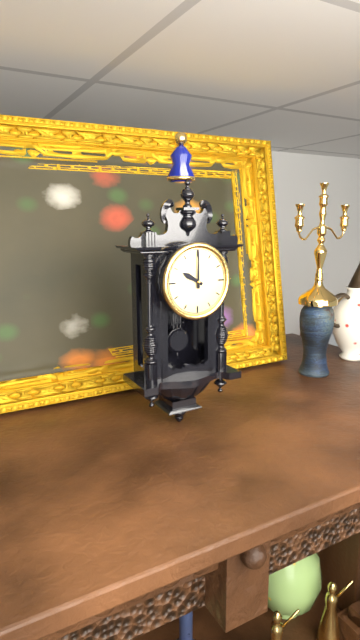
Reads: h=10 m=0
